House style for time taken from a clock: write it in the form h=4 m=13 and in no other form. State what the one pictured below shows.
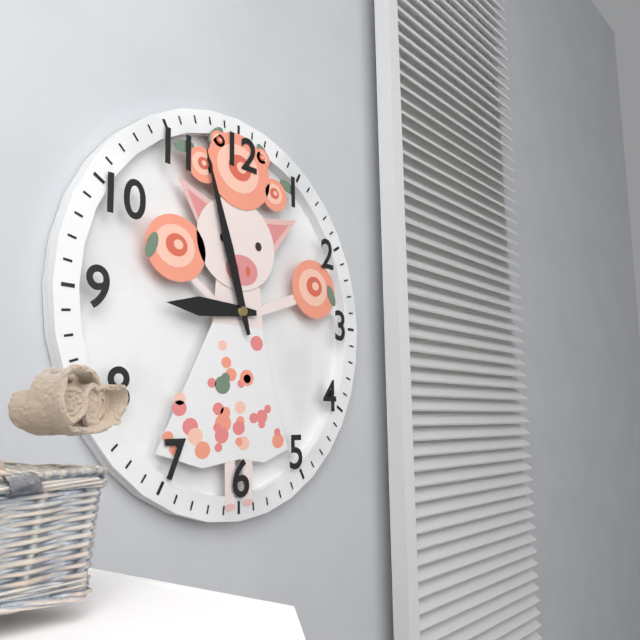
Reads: h=8 m=57
